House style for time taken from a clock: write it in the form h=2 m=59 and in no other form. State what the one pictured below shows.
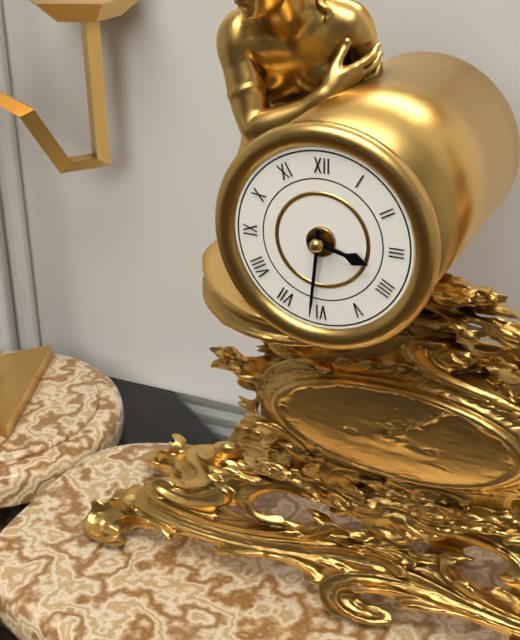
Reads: h=3 m=31
